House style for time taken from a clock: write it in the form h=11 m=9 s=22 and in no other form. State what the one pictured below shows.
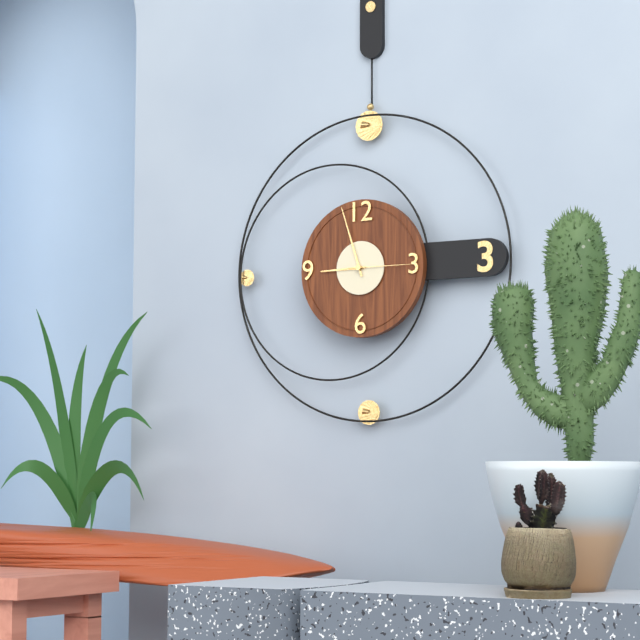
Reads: h=8 m=57 s=15
